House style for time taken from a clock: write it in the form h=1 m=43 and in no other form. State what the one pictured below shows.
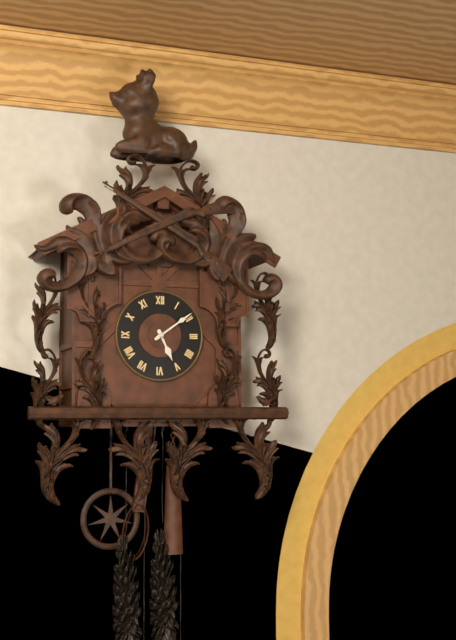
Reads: h=5 m=9
